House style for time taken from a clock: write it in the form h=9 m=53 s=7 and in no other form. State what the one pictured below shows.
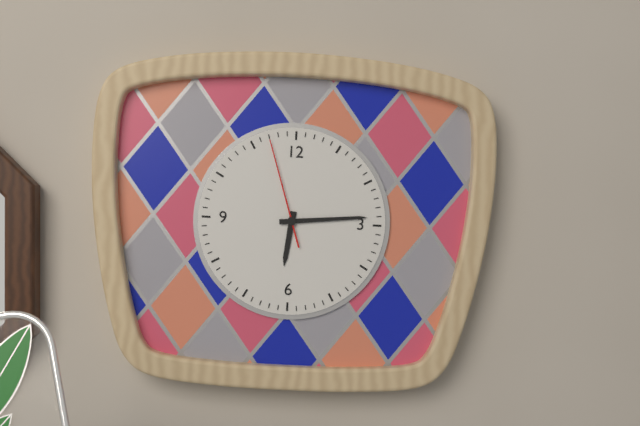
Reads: h=6 m=14 s=57
